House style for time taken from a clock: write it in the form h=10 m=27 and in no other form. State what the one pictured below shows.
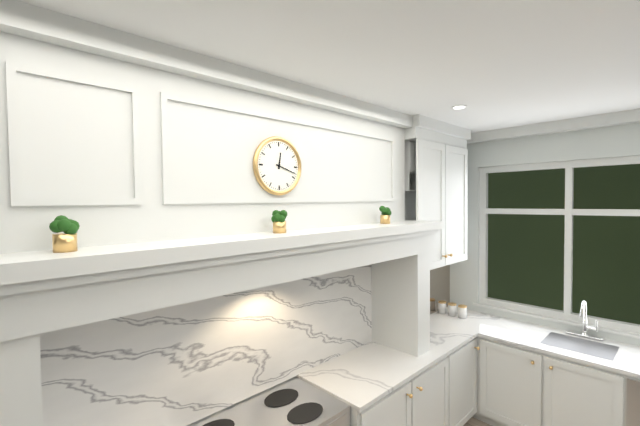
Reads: h=12 m=18
